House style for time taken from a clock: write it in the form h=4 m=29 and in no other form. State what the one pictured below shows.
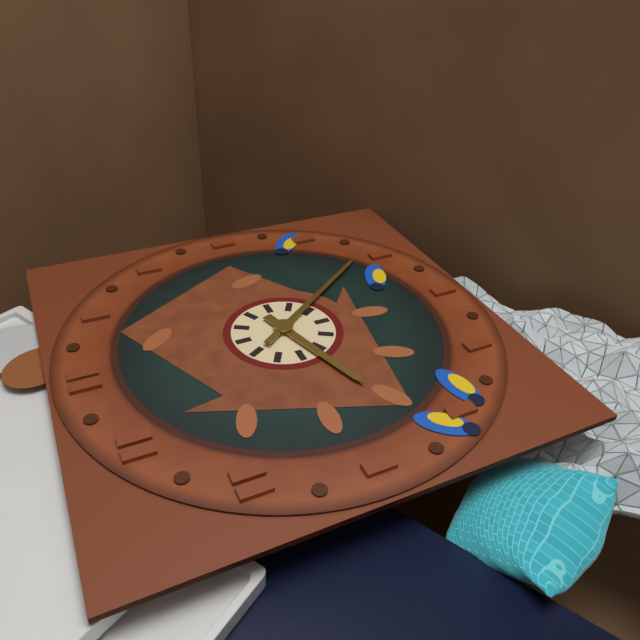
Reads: h=8 m=24
